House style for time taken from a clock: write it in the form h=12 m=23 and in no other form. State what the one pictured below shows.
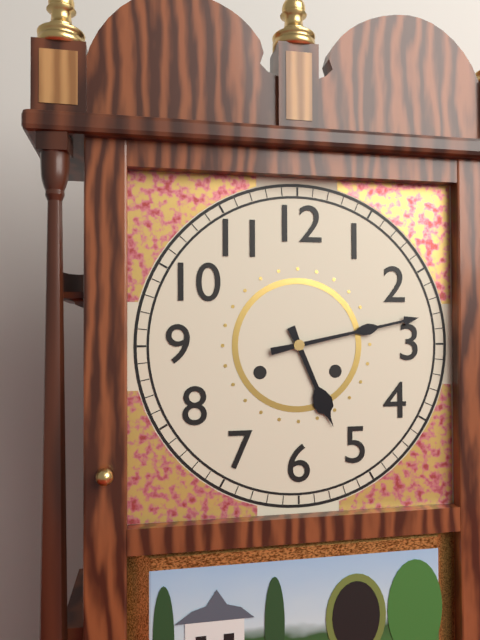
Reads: h=5 m=13
